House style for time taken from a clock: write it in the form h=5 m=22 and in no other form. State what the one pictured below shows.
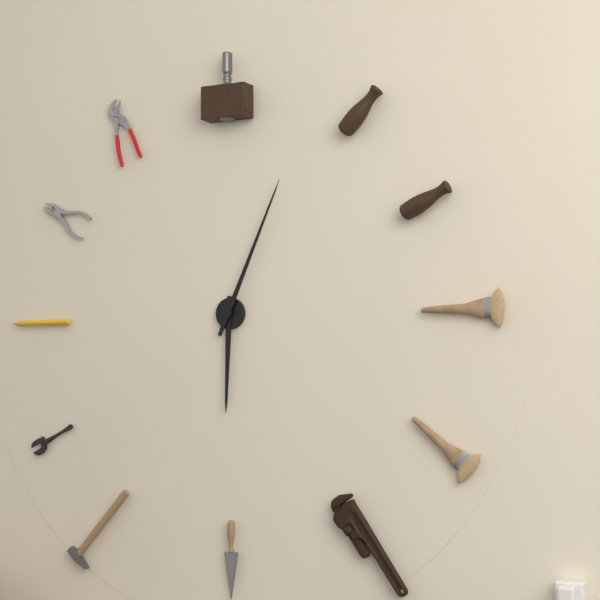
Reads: h=6 m=4
